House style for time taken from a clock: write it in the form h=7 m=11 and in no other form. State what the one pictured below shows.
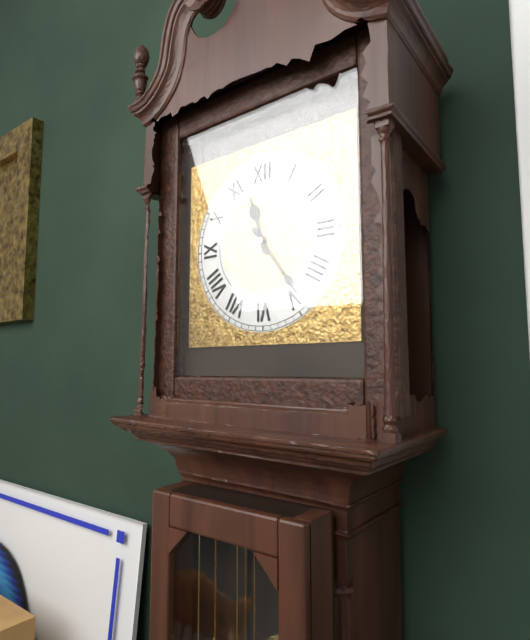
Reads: h=11 m=24
